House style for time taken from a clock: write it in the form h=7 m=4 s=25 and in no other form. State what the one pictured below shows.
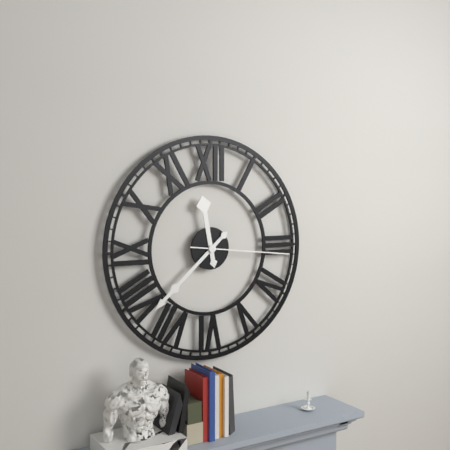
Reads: h=11 m=38 s=16
